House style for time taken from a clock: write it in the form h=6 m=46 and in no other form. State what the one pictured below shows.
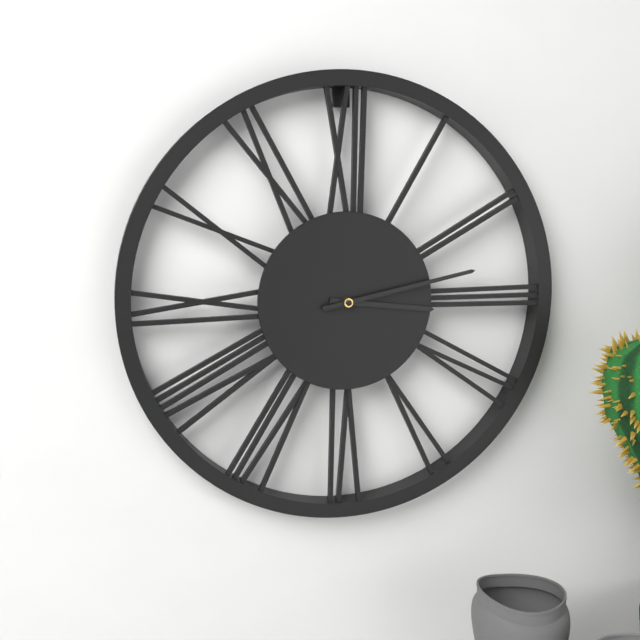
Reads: h=3 m=13
